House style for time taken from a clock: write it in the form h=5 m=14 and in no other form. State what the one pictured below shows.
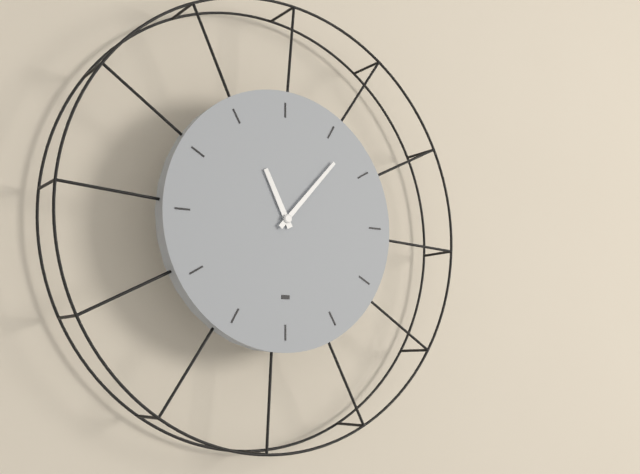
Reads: h=11 m=7
